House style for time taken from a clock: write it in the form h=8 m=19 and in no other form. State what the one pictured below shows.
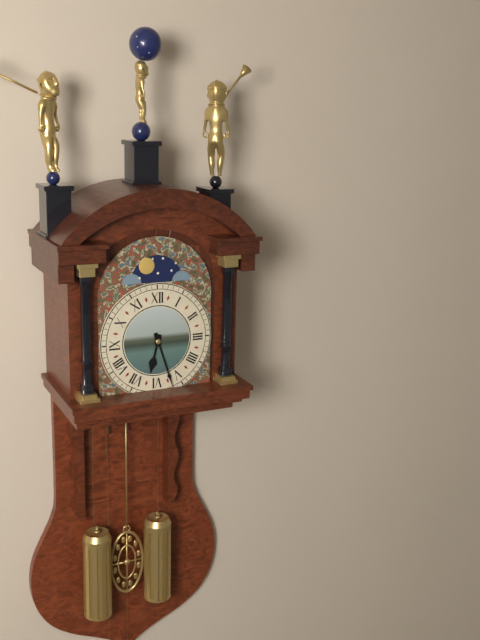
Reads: h=6 m=27
